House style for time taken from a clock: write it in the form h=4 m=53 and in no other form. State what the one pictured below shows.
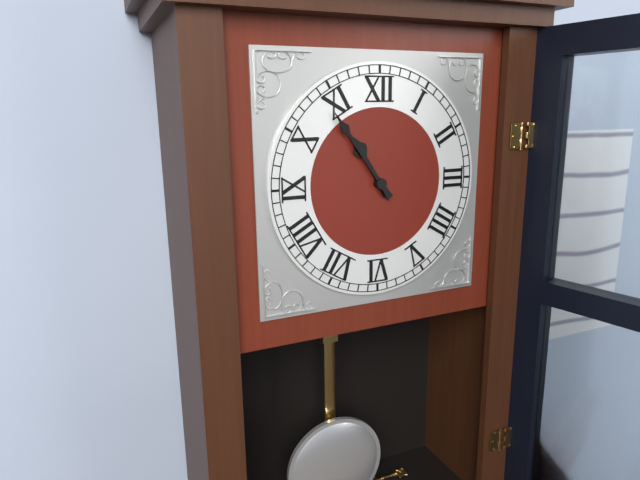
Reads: h=10 m=54
